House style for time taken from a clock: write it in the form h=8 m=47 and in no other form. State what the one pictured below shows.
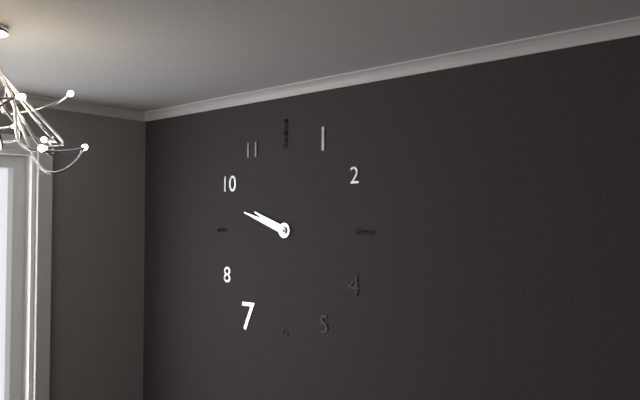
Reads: h=9 m=48
